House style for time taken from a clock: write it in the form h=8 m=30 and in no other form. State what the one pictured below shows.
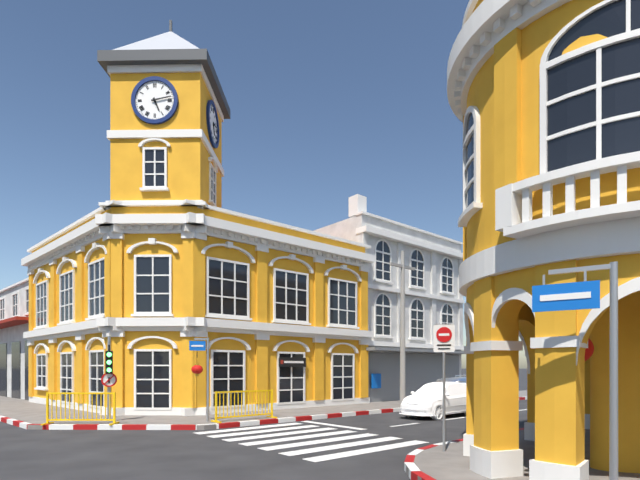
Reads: h=5 m=13
